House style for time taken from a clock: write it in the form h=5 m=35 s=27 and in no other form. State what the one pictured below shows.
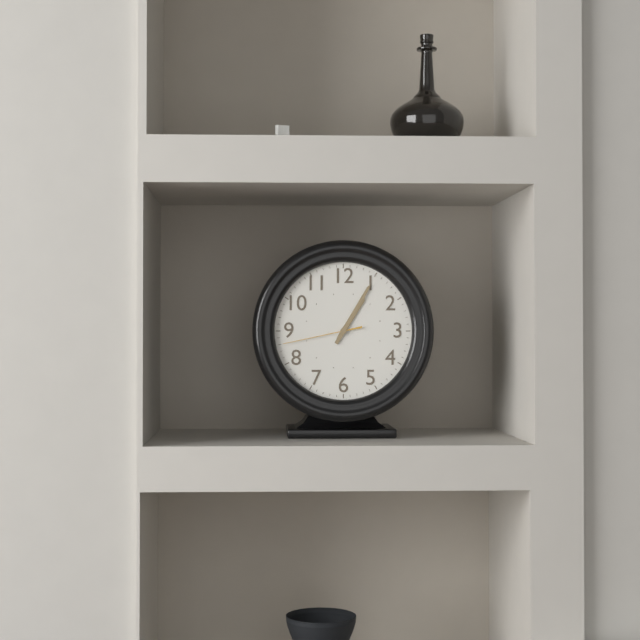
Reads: h=1 m=5 s=43
